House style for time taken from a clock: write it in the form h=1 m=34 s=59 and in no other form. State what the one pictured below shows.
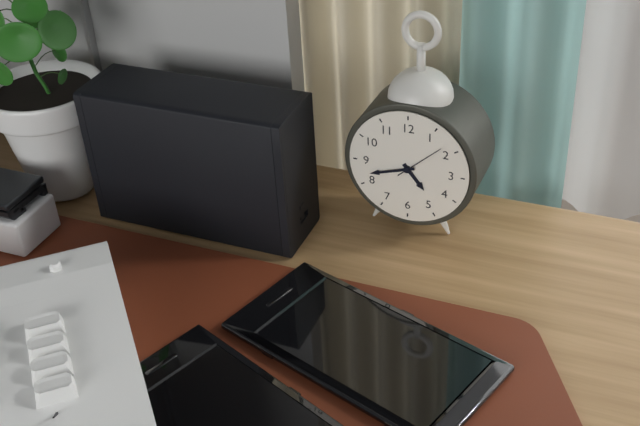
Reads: h=4 m=42 s=8
